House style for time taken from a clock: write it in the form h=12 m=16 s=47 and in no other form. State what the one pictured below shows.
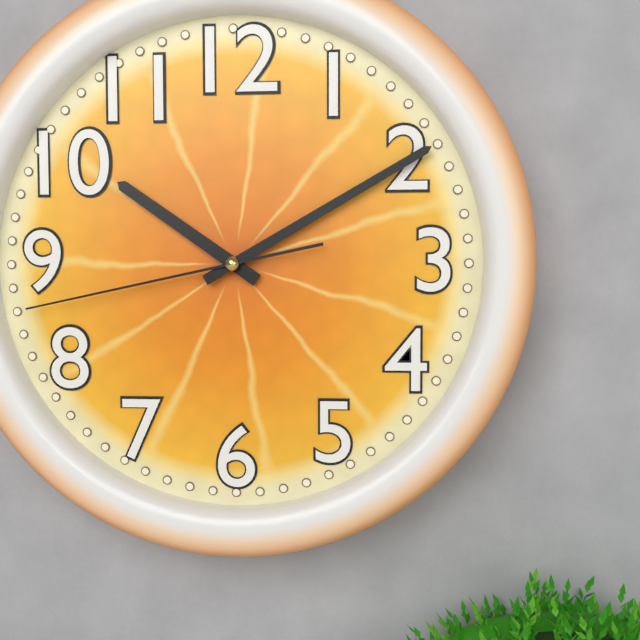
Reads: h=10 m=10 s=43
